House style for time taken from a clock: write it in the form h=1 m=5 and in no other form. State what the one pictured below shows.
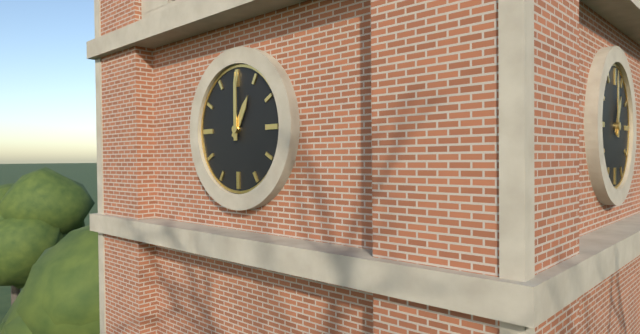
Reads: h=1 m=0
